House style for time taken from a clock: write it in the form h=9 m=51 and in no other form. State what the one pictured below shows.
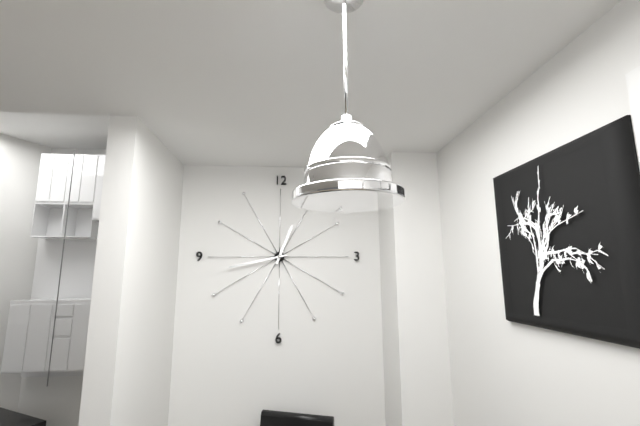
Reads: h=12 m=43
